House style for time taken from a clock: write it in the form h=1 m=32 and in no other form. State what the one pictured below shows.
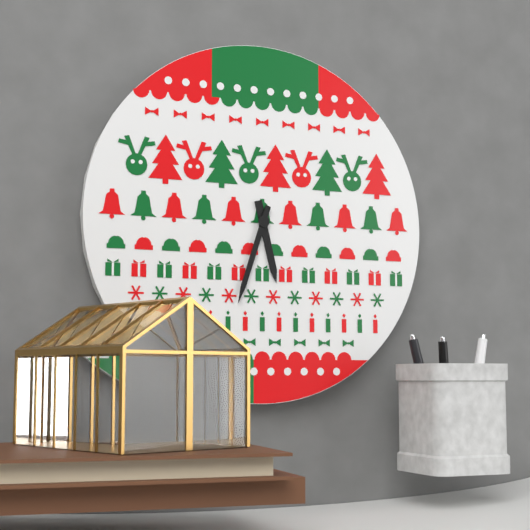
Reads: h=5 m=33
